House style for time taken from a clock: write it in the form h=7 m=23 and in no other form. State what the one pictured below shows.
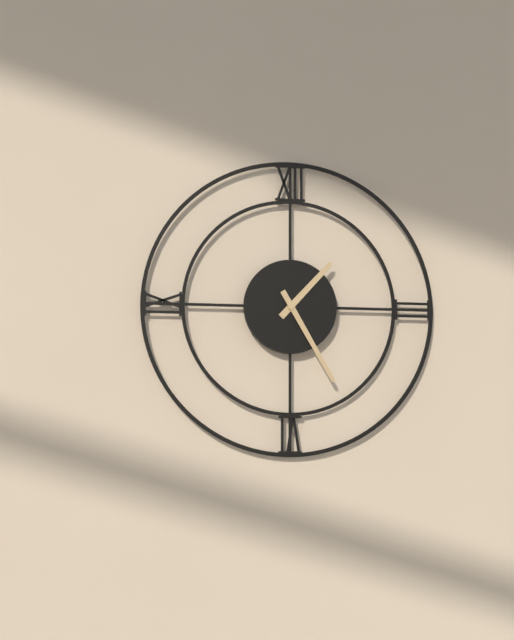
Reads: h=1 m=25
